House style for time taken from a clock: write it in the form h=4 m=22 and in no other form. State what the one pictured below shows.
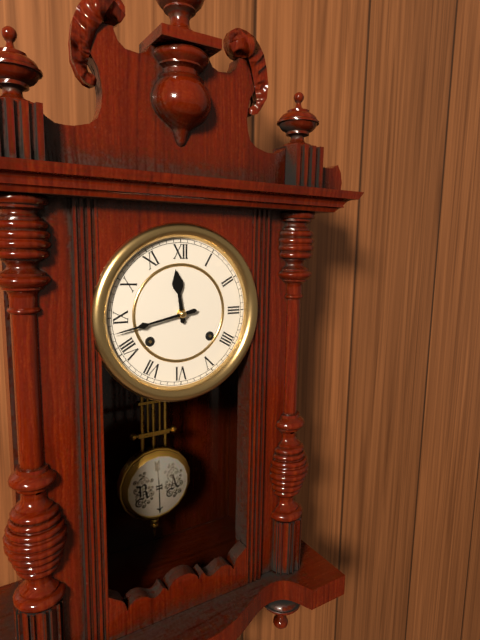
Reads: h=11 m=43
